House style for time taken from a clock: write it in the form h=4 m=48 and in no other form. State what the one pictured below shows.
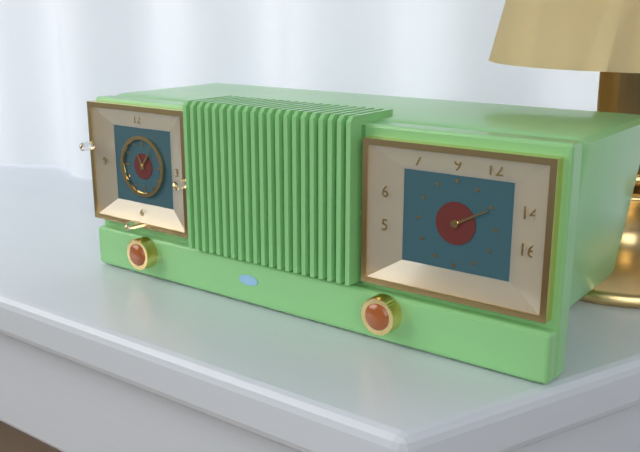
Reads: h=11 m=6
